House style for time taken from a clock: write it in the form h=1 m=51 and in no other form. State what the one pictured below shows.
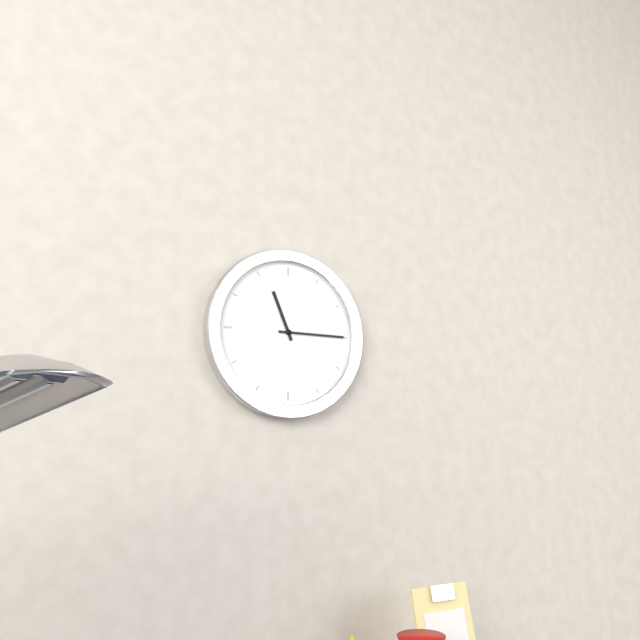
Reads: h=11 m=15
